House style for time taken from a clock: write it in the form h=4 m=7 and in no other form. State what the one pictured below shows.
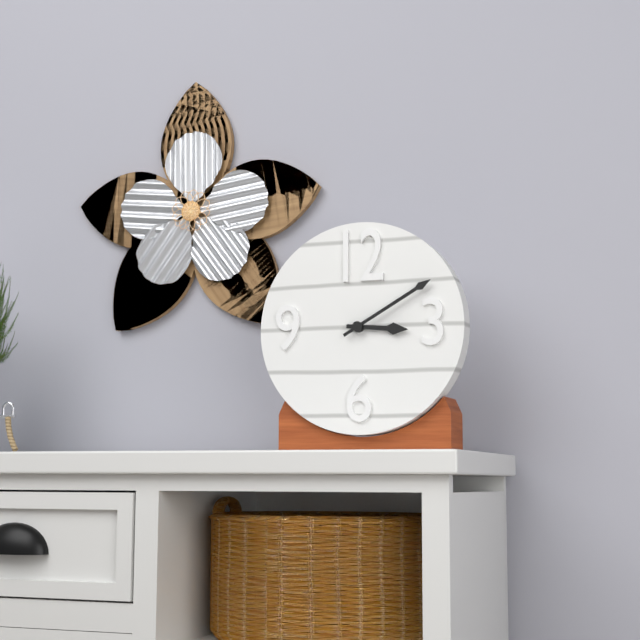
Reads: h=3 m=10
